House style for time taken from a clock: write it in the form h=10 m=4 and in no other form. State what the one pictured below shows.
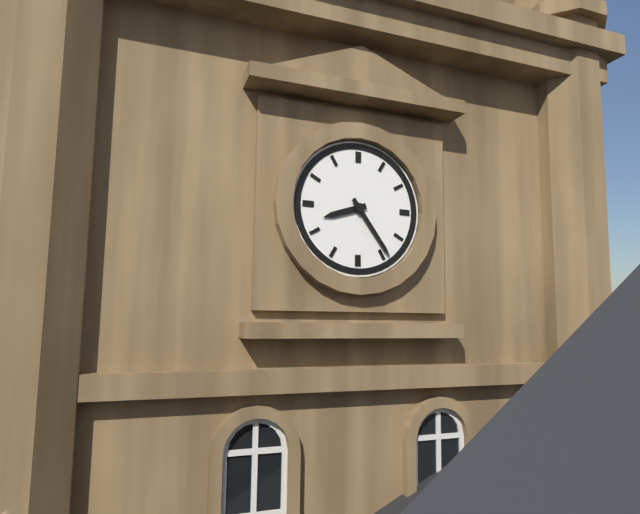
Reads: h=8 m=24
